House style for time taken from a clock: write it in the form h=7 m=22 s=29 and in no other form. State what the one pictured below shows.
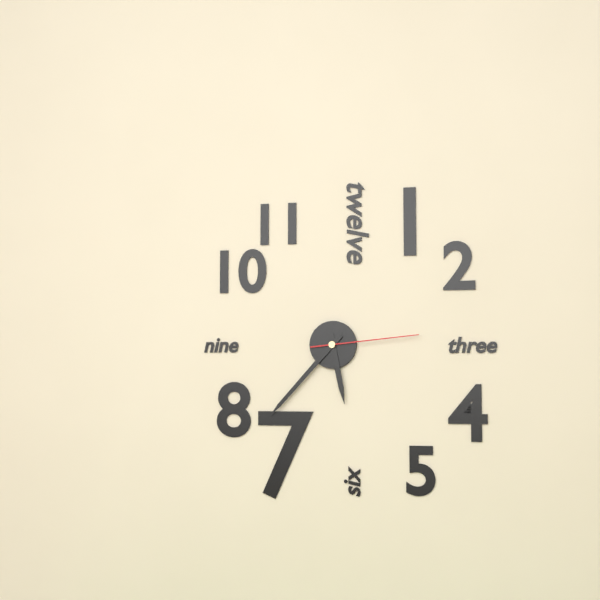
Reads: h=5 m=37 s=14
